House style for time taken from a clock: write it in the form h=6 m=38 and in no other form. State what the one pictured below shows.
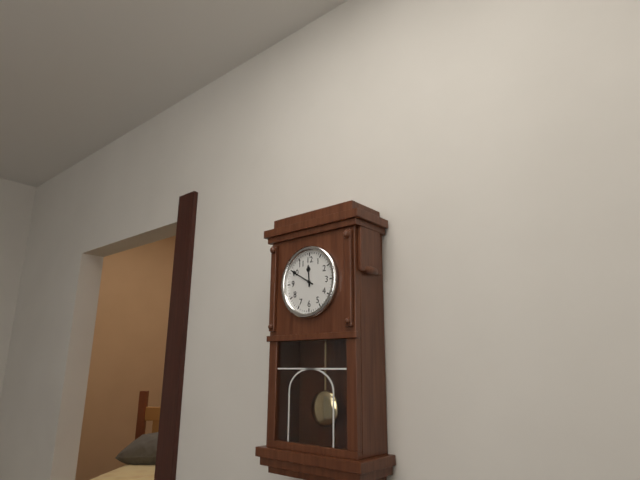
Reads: h=11 m=50
